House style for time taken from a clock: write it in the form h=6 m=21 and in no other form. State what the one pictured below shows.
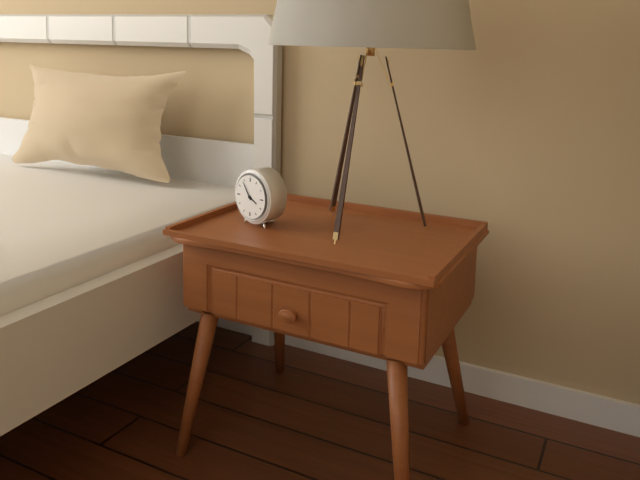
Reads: h=3 m=54
